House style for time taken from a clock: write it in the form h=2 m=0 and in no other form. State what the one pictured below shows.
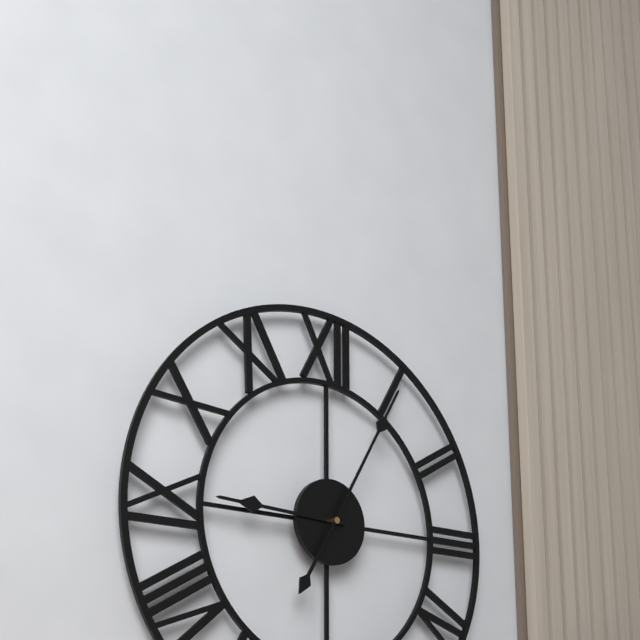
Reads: h=9 m=5
